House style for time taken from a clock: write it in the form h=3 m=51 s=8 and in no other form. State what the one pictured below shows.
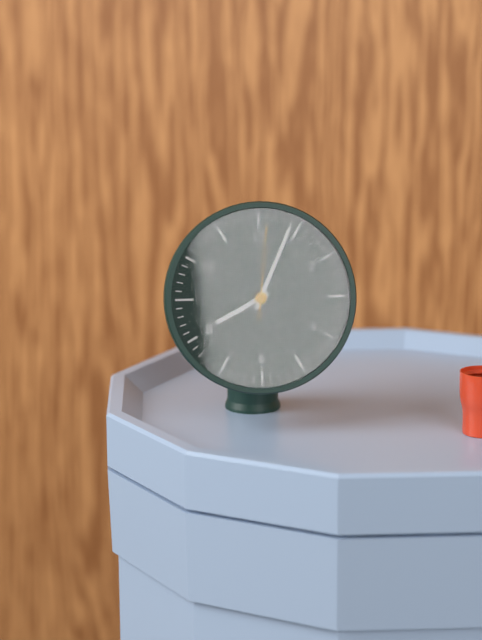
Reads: h=8 m=4 s=1
